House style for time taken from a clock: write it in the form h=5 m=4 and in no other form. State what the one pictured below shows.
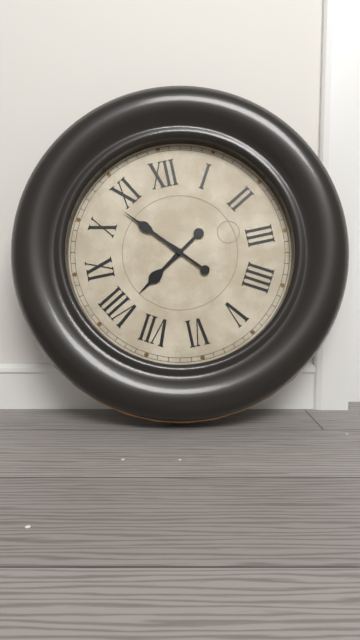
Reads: h=7 m=53
